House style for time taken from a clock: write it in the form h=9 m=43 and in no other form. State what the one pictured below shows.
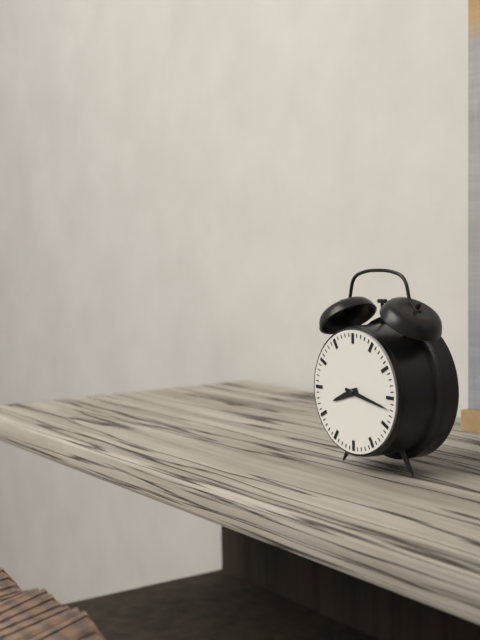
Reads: h=8 m=17
